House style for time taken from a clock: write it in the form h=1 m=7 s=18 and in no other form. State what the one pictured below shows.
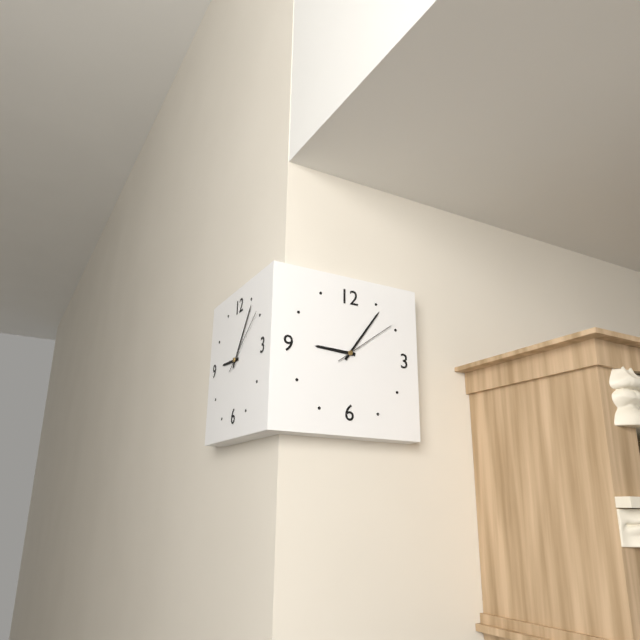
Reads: h=9 m=6 s=9
